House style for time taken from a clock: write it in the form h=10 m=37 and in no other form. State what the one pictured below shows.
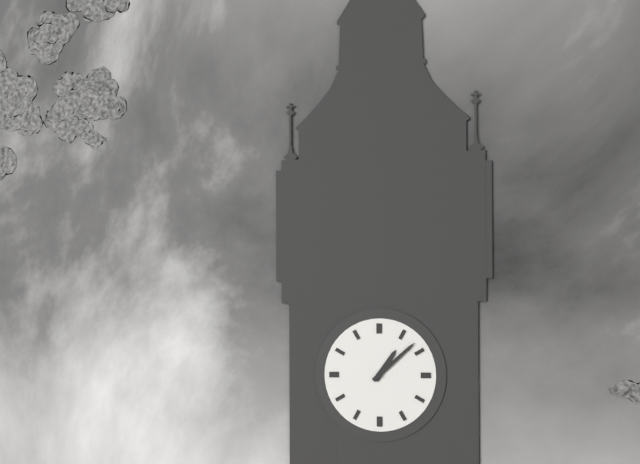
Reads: h=1 m=8
